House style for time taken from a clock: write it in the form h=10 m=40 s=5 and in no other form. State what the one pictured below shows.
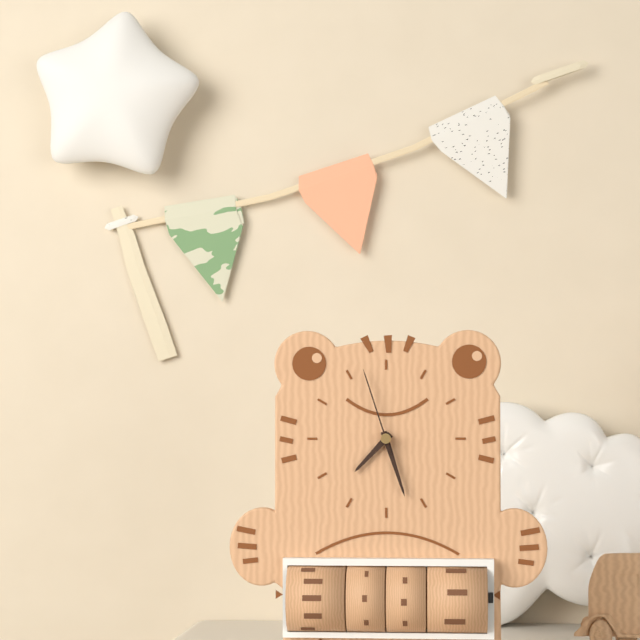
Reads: h=7 m=27 s=57
